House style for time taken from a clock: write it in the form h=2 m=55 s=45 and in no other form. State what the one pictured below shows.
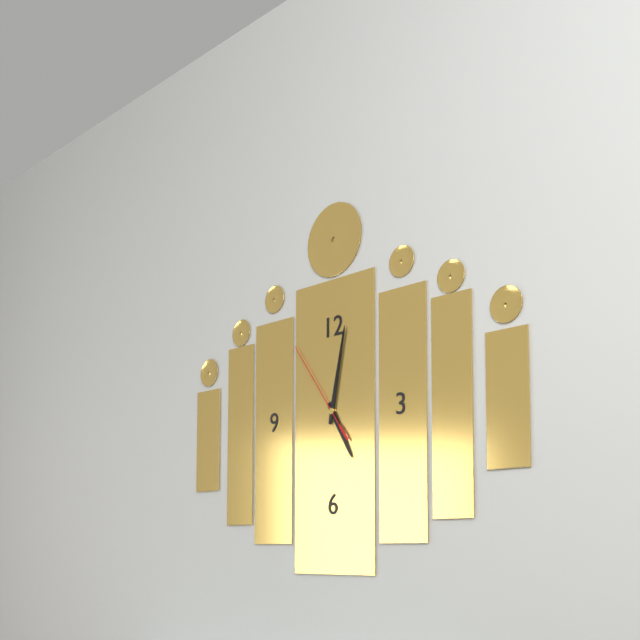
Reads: h=5 m=2 s=54
